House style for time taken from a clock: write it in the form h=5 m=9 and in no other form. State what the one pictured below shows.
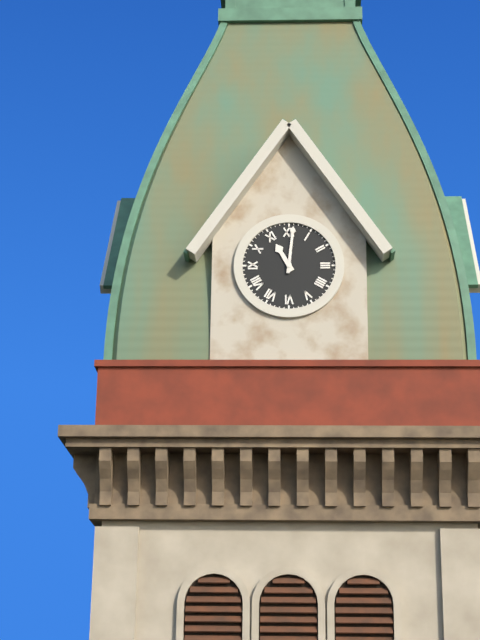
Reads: h=11 m=1
